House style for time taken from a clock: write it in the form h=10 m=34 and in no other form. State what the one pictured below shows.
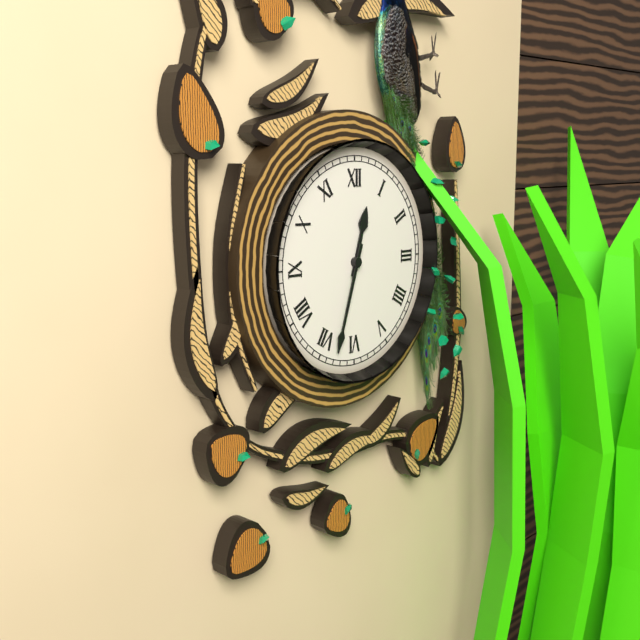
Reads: h=12 m=33
